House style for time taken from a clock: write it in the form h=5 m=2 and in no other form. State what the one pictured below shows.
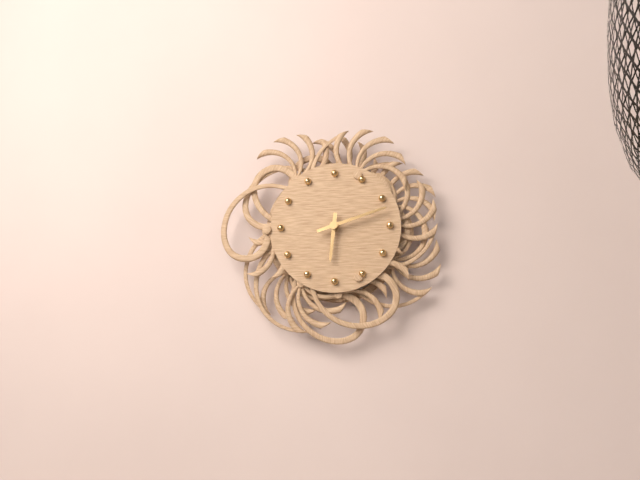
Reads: h=6 m=12
